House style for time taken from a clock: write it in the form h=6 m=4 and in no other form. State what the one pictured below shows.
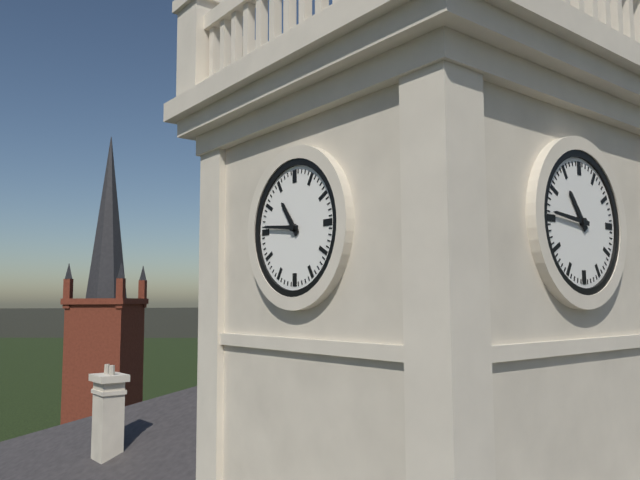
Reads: h=10 m=46
